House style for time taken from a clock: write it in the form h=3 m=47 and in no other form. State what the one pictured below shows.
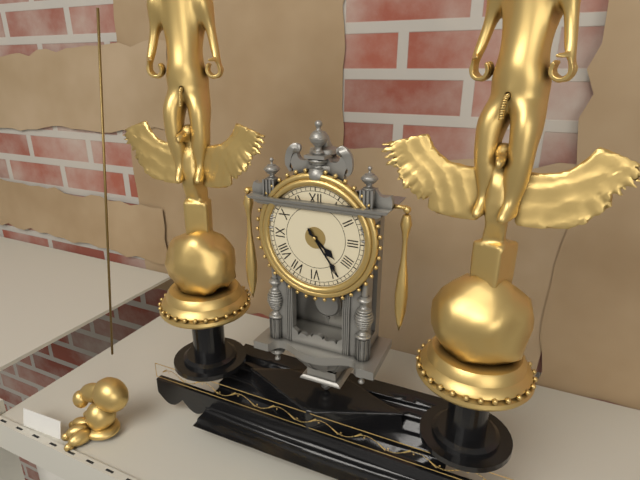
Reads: h=4 m=24
